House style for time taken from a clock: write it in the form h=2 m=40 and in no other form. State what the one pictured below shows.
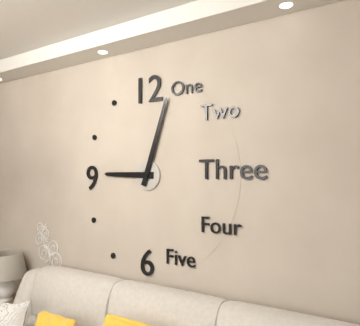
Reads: h=9 m=3
